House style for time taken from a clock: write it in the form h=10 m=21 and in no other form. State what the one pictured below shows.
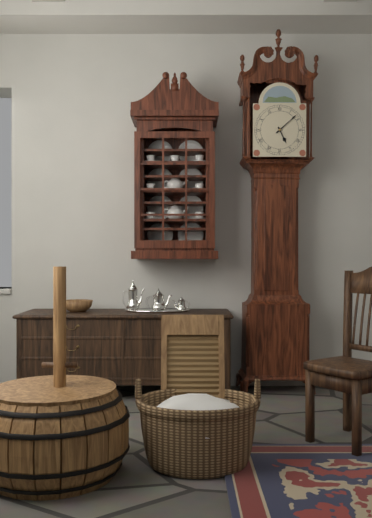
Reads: h=5 m=8
